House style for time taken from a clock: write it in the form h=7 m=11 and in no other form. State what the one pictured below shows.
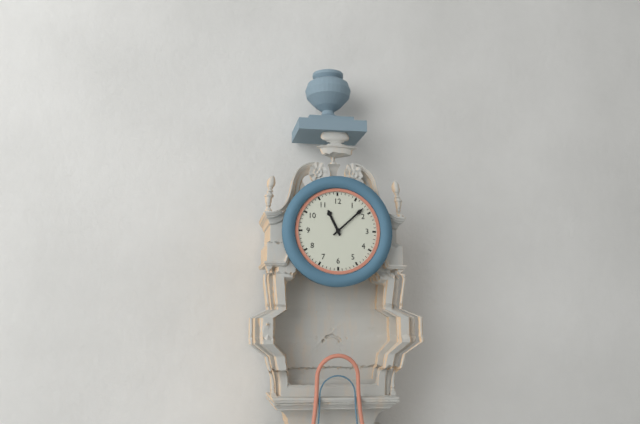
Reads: h=11 m=8
